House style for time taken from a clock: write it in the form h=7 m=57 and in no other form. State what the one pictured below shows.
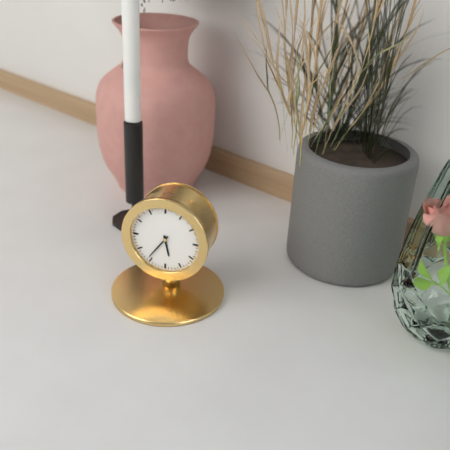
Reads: h=5 m=36
